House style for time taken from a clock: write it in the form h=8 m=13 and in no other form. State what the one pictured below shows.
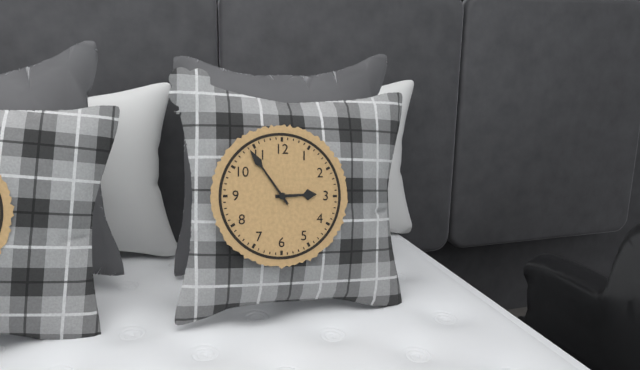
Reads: h=2 m=54
